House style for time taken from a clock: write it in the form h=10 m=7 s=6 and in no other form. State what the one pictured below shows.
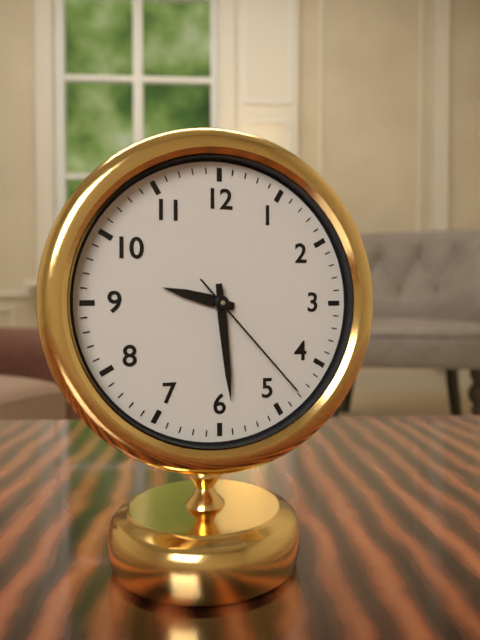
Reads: h=9 m=29 s=23
